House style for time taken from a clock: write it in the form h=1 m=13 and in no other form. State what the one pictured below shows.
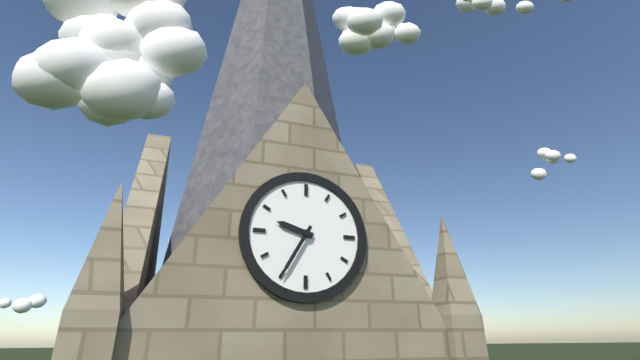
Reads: h=9 m=35
